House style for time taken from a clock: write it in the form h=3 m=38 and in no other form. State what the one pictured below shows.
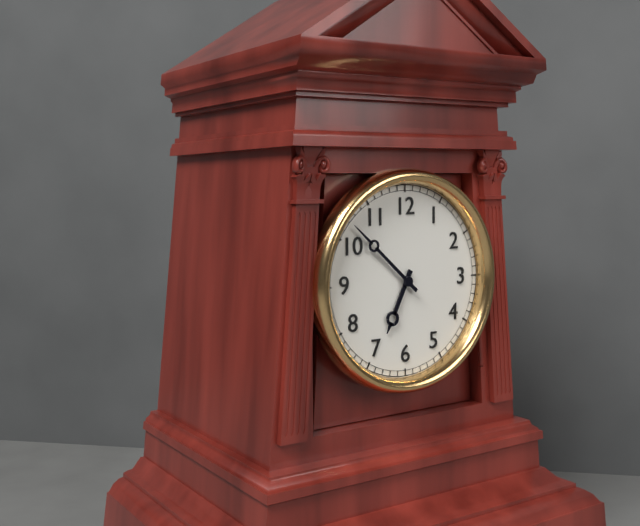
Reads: h=6 m=52
